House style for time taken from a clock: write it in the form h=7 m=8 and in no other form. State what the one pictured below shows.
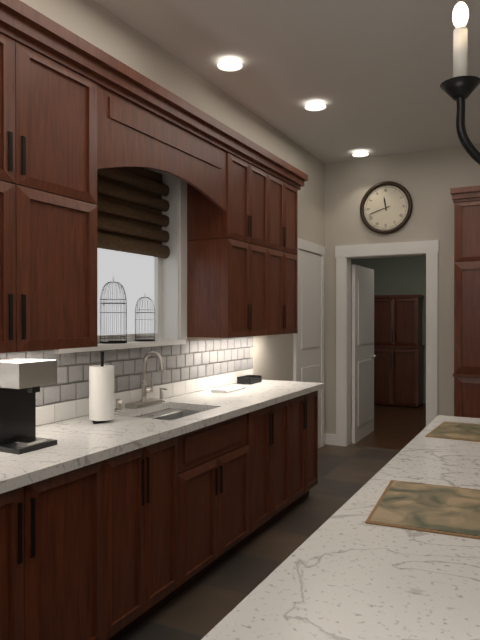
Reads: h=11 m=42
